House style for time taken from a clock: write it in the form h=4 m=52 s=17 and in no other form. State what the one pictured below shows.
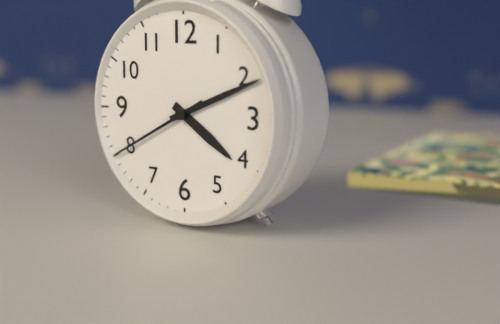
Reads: h=4 m=11 s=40
